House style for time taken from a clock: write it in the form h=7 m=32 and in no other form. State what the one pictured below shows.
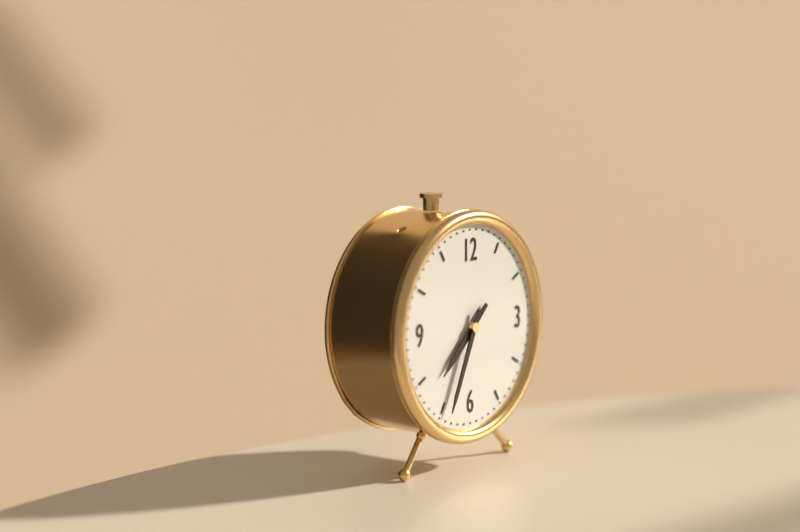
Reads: h=7 m=34
